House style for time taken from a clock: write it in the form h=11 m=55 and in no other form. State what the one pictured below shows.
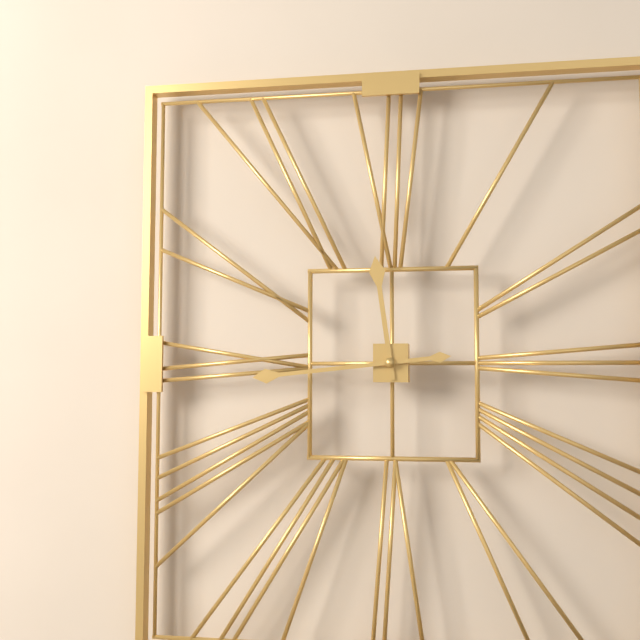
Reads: h=11 m=44
